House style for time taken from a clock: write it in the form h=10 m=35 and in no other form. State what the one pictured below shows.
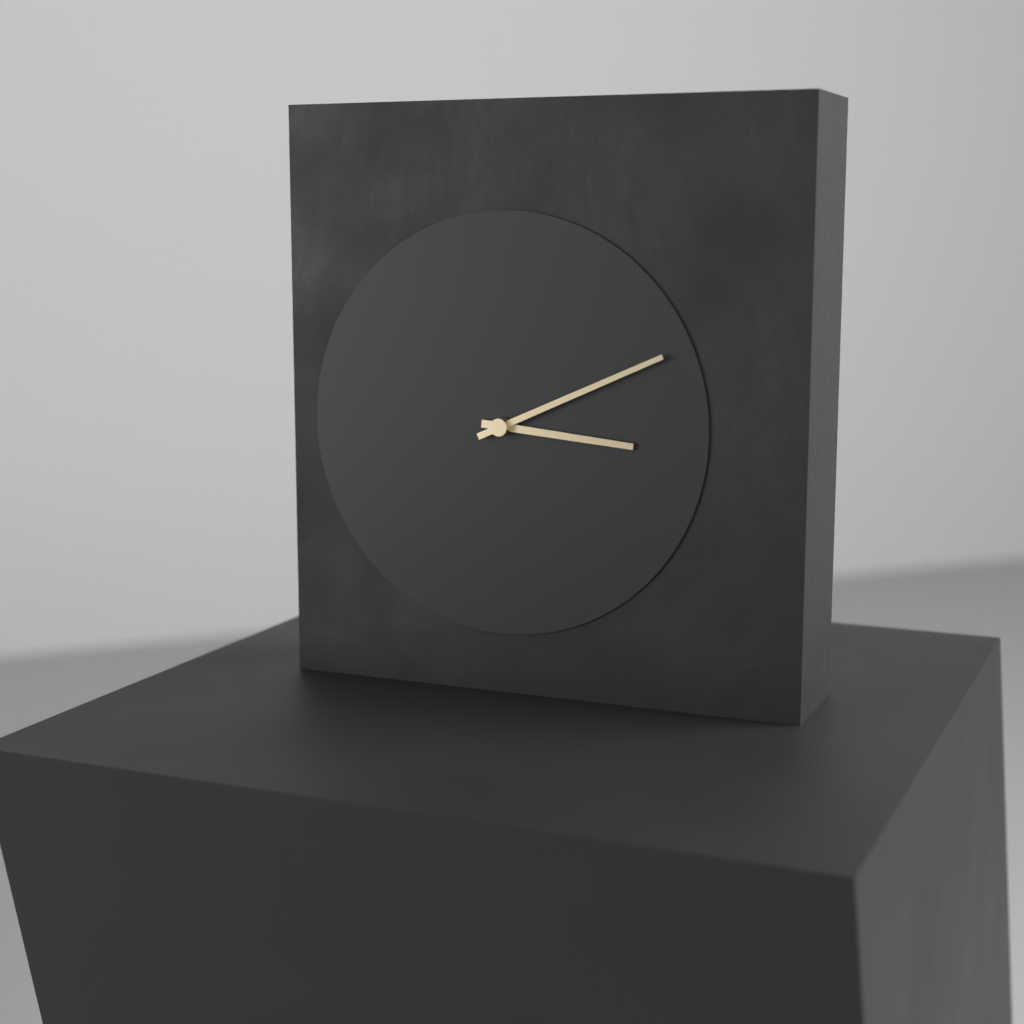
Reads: h=3 m=11
